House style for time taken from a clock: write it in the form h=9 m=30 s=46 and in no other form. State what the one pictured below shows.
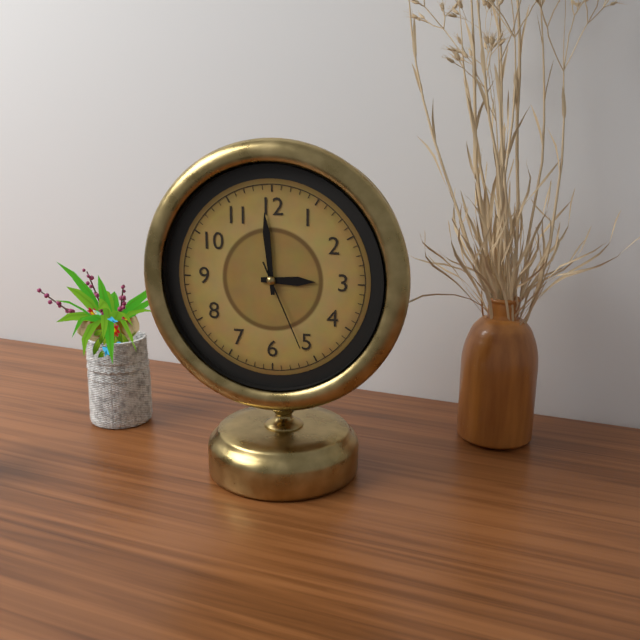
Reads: h=2 m=59 s=26
